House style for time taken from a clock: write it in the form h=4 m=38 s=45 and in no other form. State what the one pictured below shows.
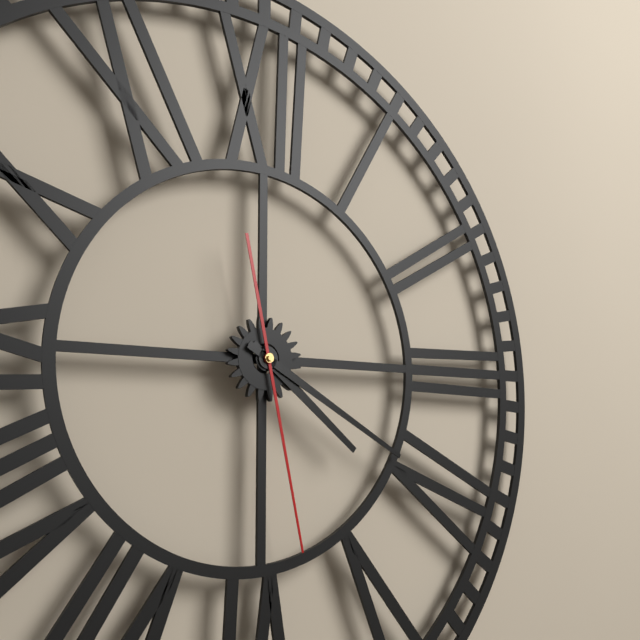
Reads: h=4 m=20 s=28
